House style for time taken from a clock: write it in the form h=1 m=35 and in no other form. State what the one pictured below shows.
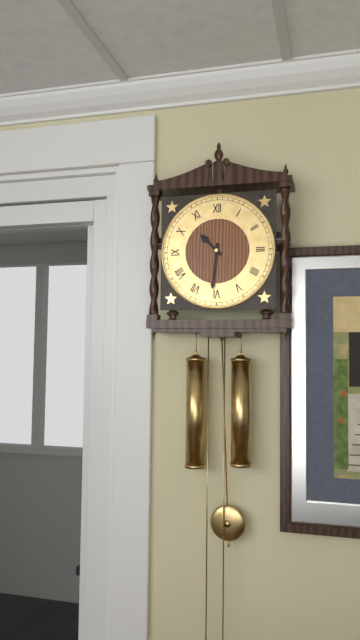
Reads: h=10 m=31
